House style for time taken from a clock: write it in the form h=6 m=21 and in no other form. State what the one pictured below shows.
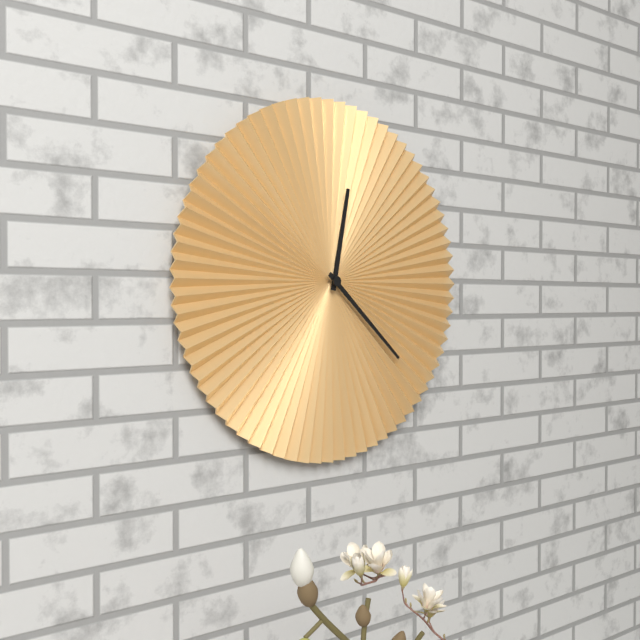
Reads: h=12 m=22
